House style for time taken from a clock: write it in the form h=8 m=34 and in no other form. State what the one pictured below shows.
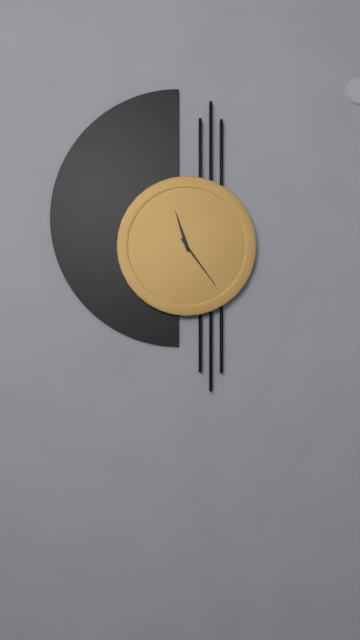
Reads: h=11 m=24
